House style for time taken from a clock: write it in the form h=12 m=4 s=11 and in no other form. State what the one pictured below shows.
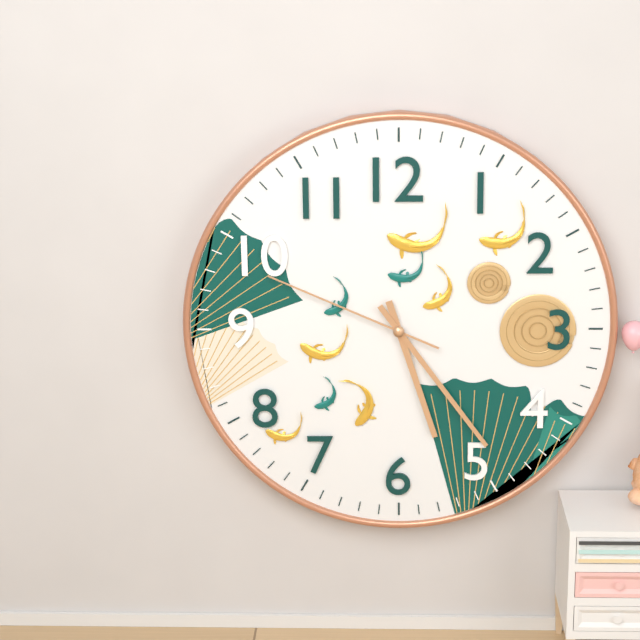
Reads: h=5 m=24 s=49
